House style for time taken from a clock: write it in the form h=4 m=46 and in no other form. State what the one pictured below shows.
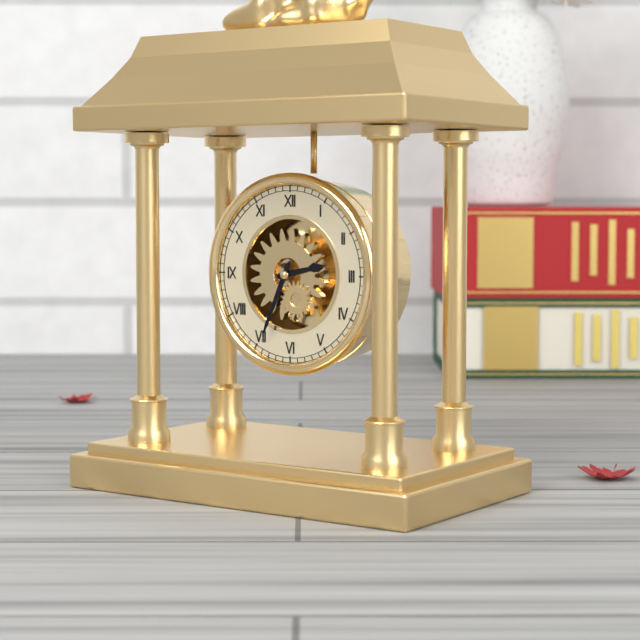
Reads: h=2 m=34
